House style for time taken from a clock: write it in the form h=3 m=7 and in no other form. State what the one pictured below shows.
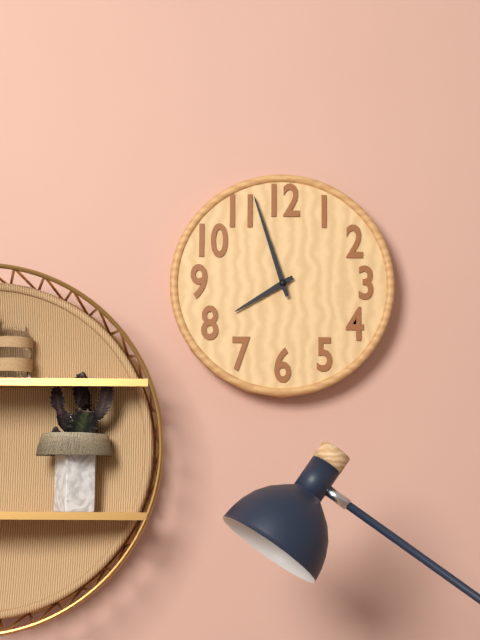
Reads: h=7 m=57
